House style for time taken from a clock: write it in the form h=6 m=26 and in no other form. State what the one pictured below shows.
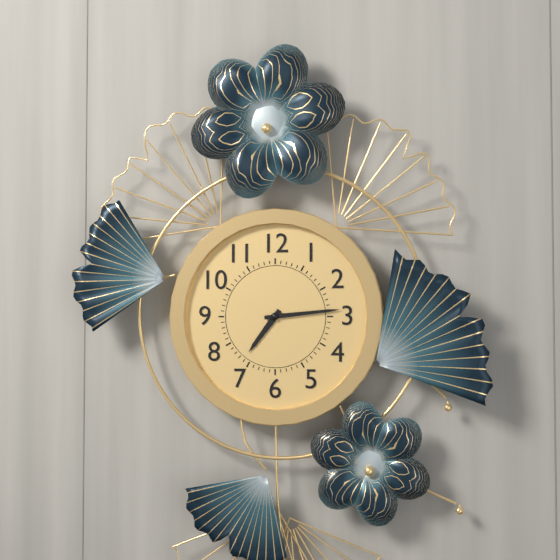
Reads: h=7 m=14
